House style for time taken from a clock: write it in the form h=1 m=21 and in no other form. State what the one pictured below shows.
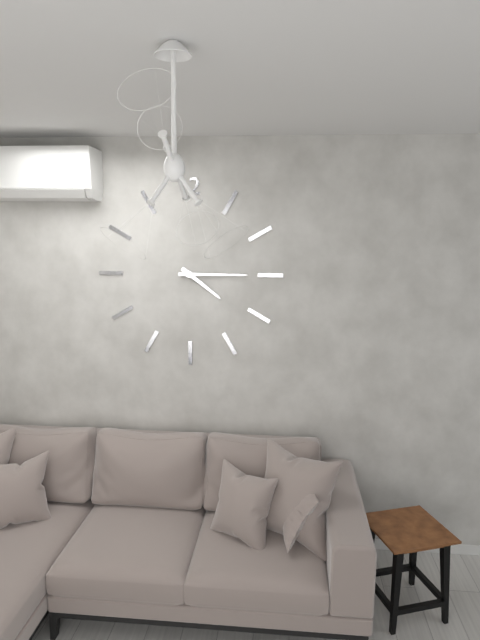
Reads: h=4 m=15
